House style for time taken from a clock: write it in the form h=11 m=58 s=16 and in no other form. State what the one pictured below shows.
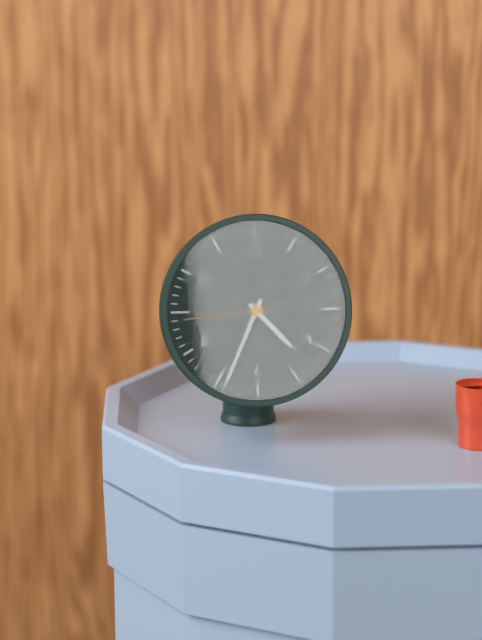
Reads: h=4 m=34 s=44
